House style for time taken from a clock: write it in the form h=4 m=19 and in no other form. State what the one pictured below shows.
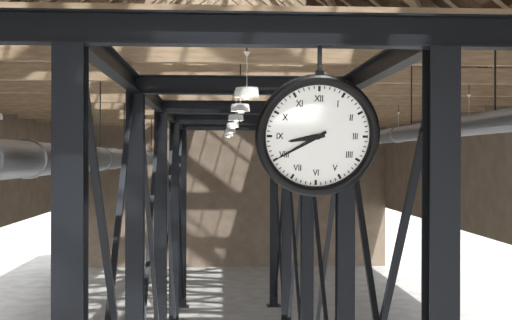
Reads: h=8 m=40
